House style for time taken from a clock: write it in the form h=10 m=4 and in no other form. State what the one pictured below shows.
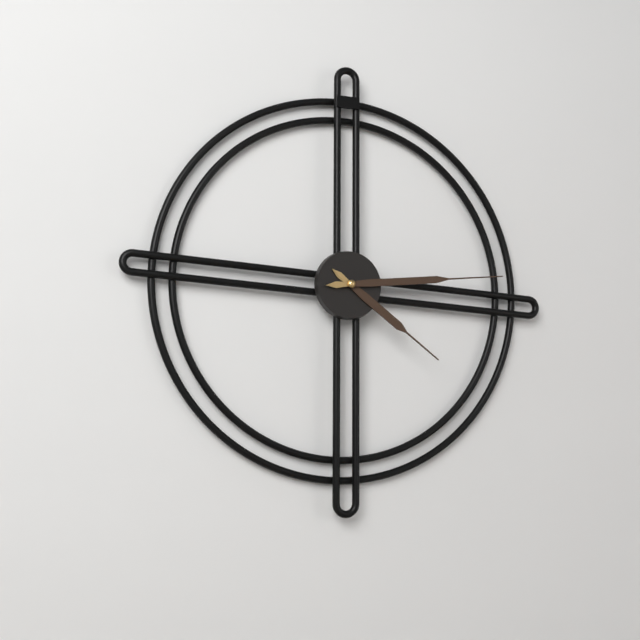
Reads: h=4 m=14
